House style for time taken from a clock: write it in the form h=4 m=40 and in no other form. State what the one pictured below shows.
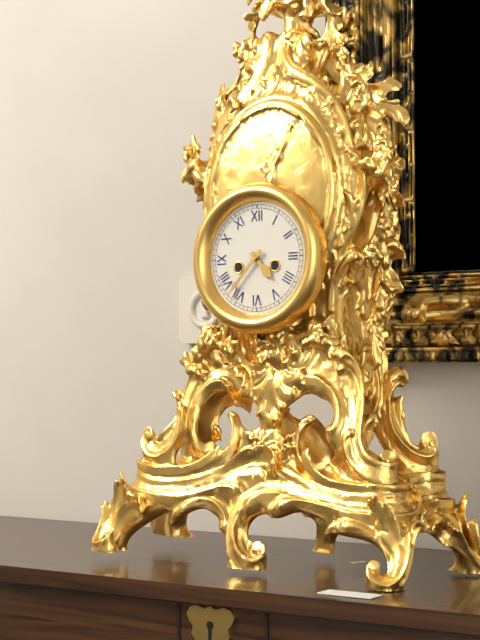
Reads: h=4 m=37
